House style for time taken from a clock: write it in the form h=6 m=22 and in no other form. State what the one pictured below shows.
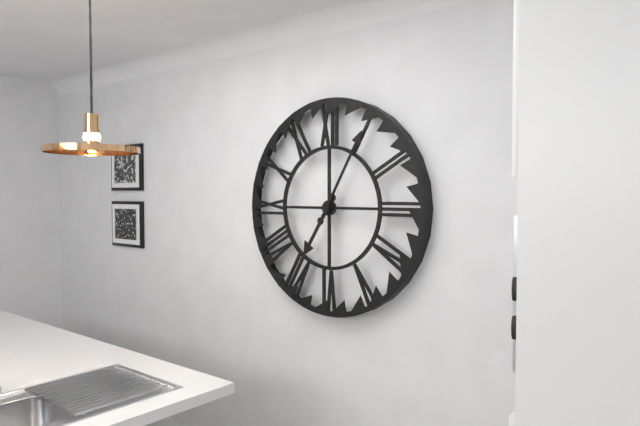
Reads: h=7 m=5
